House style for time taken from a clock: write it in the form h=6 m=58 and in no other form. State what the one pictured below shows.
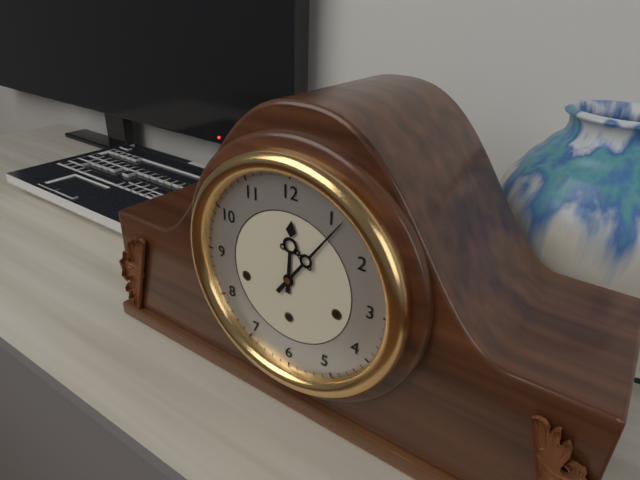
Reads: h=12 m=6
